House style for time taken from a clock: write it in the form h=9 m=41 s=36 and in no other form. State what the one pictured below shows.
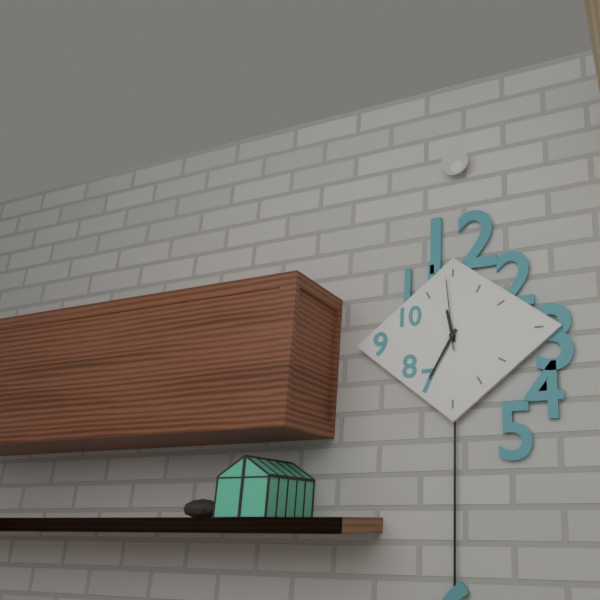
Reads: h=11 m=35 s=59
